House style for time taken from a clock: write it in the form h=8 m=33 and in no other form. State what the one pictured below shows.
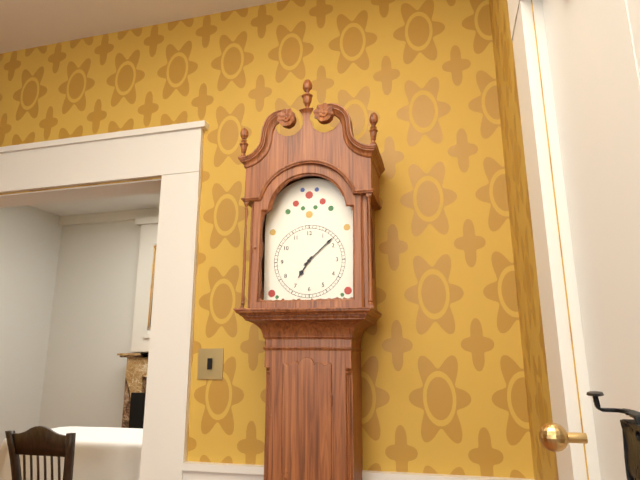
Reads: h=7 m=8
